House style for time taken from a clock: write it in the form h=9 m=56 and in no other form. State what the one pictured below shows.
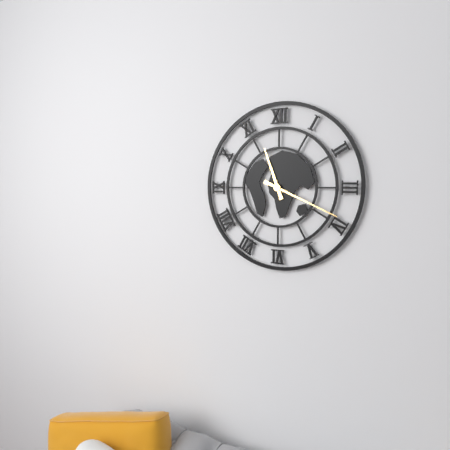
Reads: h=11 m=19
